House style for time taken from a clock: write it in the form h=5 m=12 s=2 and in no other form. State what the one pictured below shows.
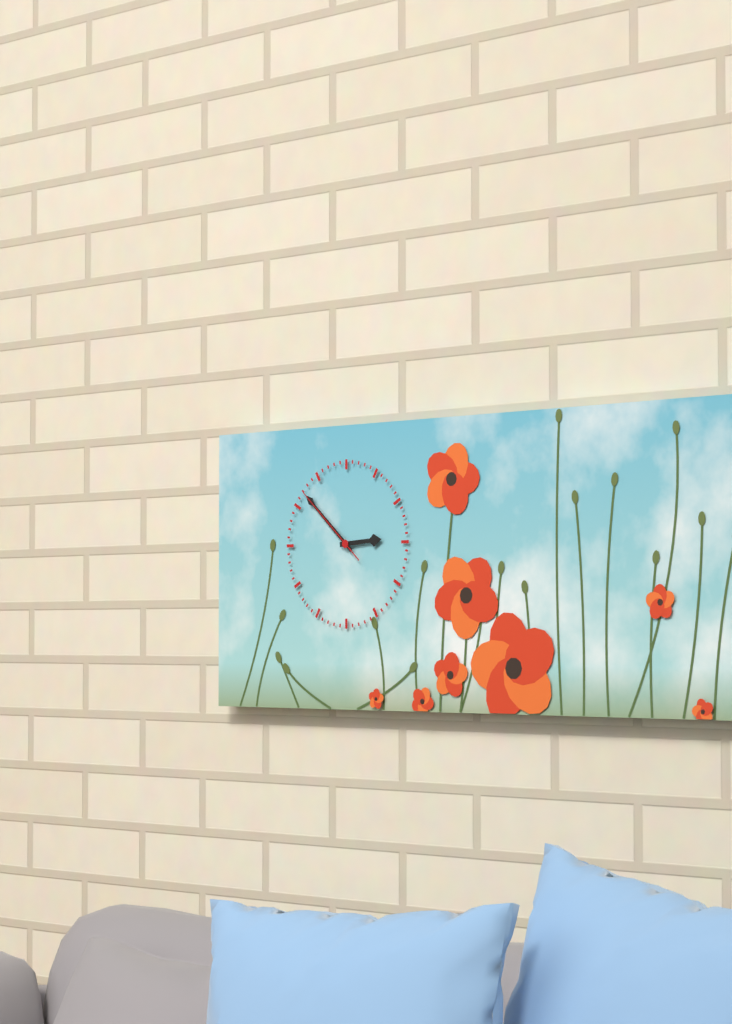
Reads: h=2 m=52 s=52
